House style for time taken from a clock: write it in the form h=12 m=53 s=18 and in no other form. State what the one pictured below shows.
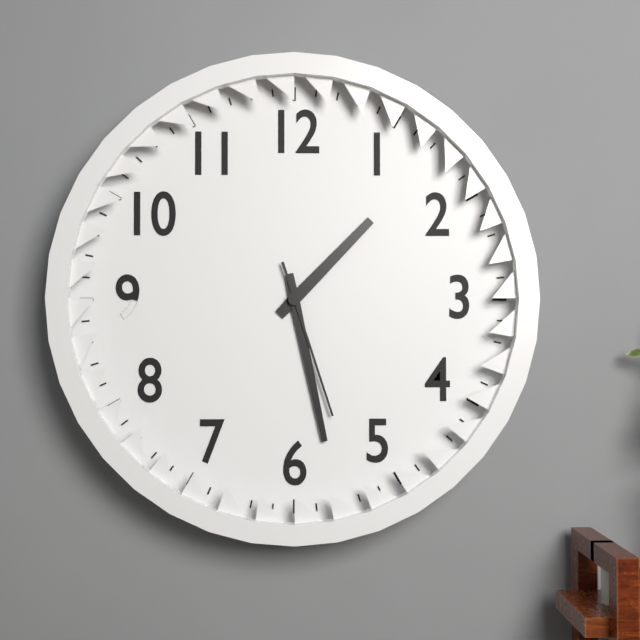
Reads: h=1 m=28 s=27
